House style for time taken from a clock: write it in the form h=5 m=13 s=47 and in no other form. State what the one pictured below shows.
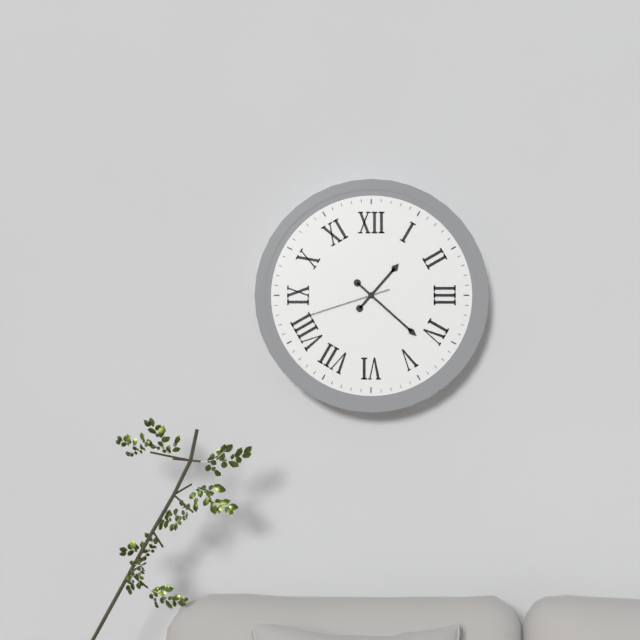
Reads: h=1 m=22 s=42
